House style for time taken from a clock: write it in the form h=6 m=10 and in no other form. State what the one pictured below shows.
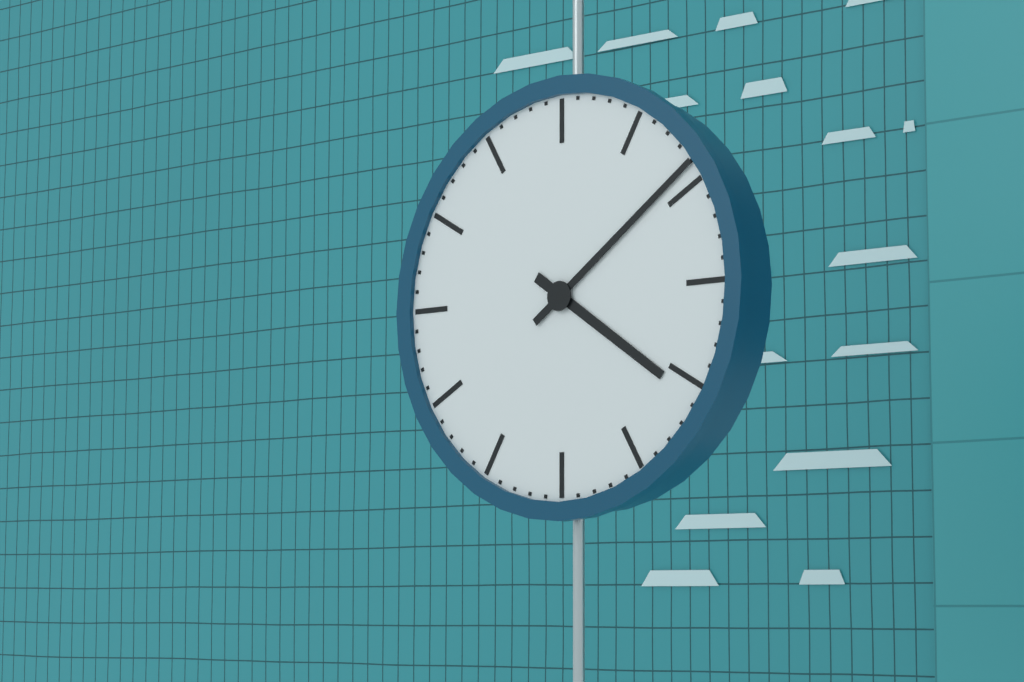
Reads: h=4 m=9
